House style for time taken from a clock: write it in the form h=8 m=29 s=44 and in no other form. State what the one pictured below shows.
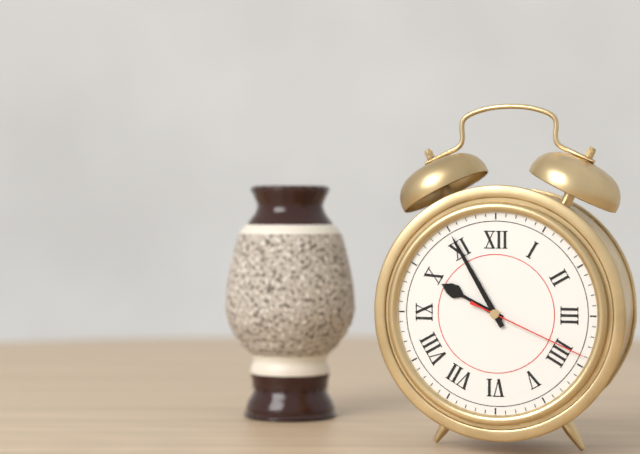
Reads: h=9 m=55 s=19
